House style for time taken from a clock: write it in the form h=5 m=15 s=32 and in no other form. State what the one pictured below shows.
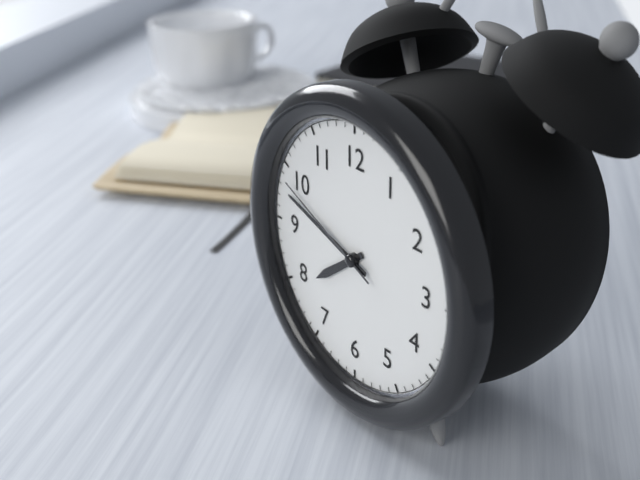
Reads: h=7 m=48 s=49
